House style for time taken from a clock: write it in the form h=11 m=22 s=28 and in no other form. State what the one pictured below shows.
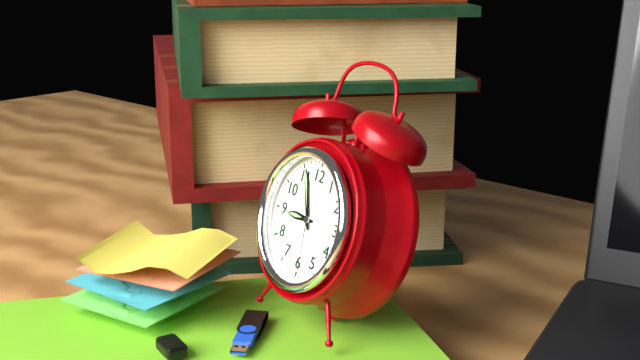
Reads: h=8 m=56 s=29
